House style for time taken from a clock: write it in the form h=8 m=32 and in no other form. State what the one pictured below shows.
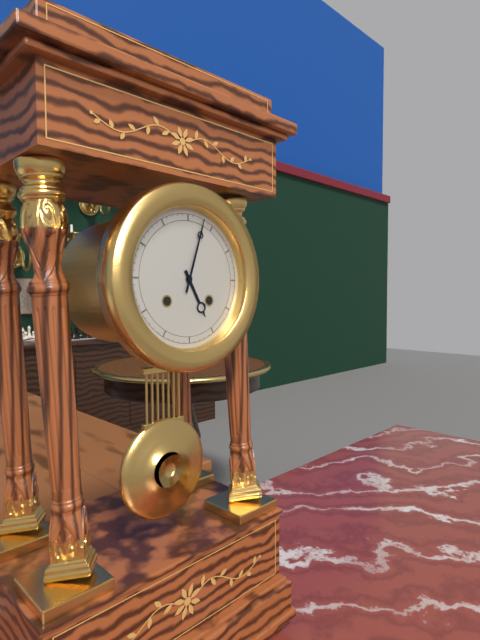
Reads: h=5 m=3
